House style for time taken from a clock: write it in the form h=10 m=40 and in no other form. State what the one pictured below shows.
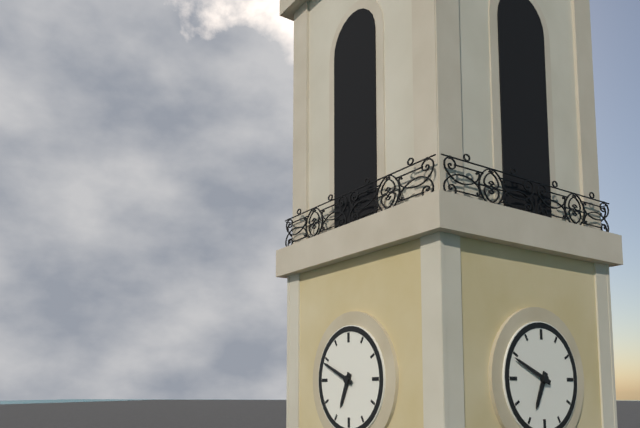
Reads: h=6 m=49
